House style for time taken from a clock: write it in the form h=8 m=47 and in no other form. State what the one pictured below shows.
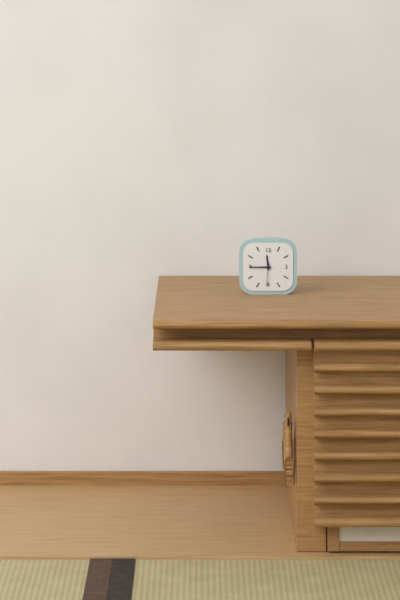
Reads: h=11 m=45
